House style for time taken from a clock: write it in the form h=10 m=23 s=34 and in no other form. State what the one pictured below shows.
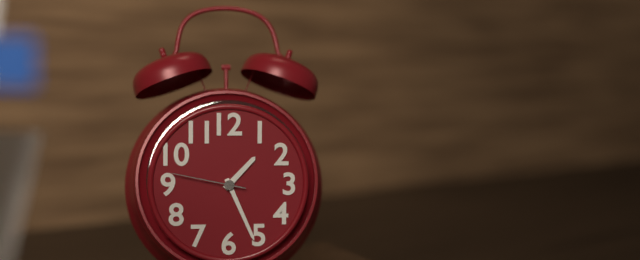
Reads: h=1 m=26 s=47
